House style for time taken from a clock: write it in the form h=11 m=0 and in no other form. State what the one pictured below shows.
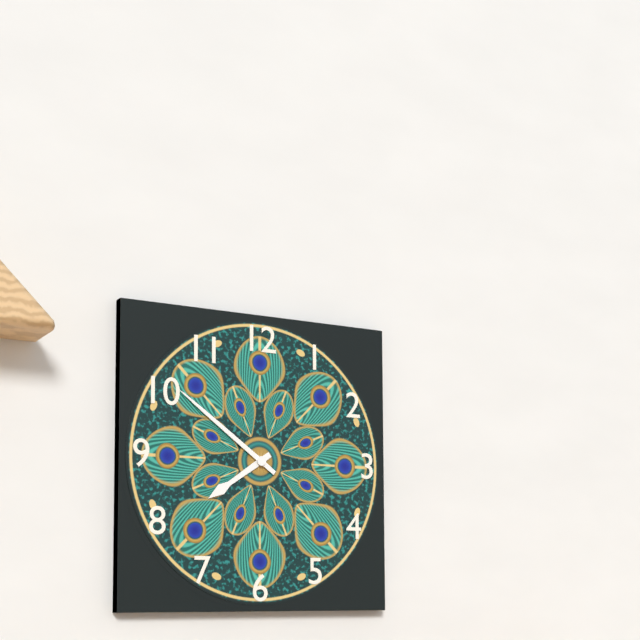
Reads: h=7 m=51
